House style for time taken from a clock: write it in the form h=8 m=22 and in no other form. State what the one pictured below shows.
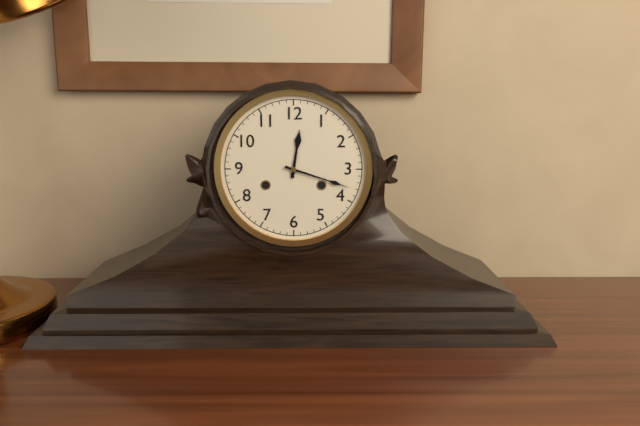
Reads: h=12 m=18
